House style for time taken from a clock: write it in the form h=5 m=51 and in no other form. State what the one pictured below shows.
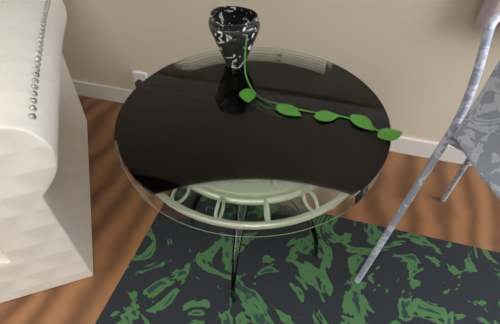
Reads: h=3 m=33
